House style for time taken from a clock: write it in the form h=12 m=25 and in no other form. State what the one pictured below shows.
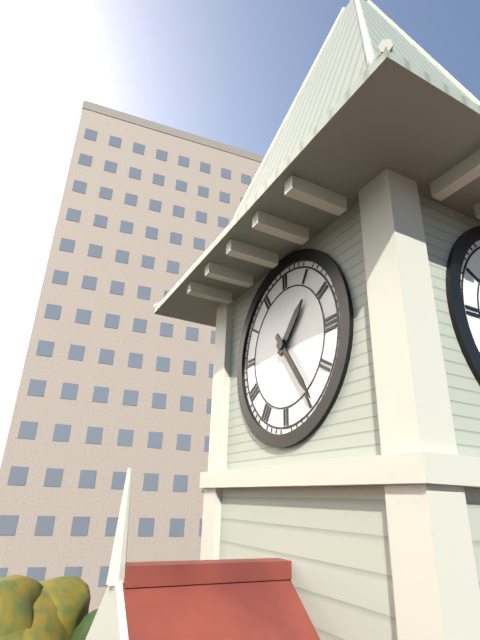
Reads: h=1 m=24
